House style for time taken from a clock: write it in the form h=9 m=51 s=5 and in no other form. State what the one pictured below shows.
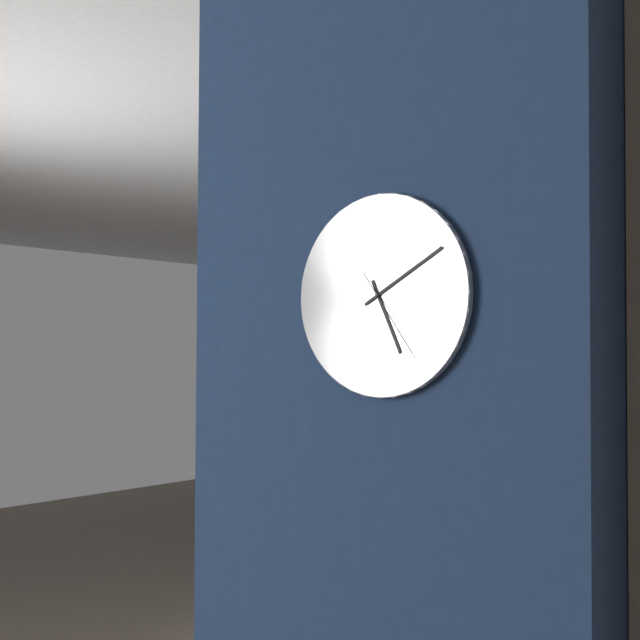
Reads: h=5 m=10 s=24
